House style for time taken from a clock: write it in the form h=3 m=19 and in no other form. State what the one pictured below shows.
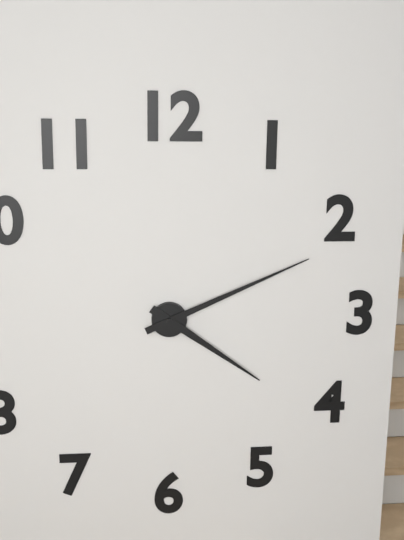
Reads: h=4 m=11
